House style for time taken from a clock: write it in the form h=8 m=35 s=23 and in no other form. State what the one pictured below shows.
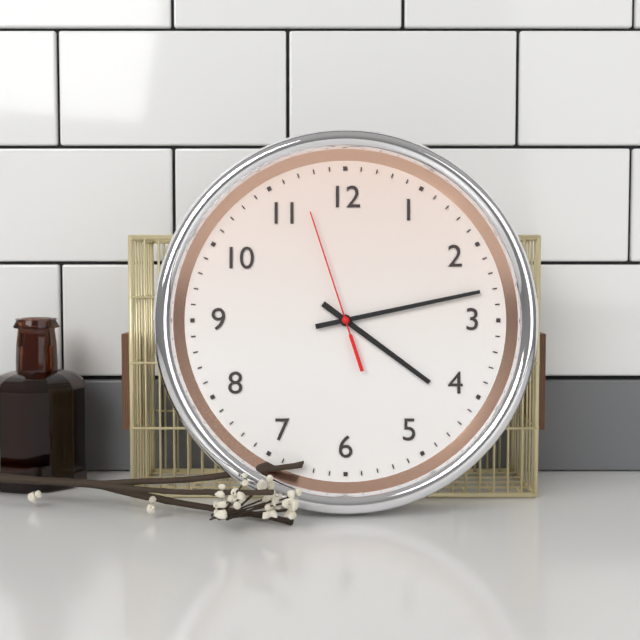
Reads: h=4 m=13 s=57
